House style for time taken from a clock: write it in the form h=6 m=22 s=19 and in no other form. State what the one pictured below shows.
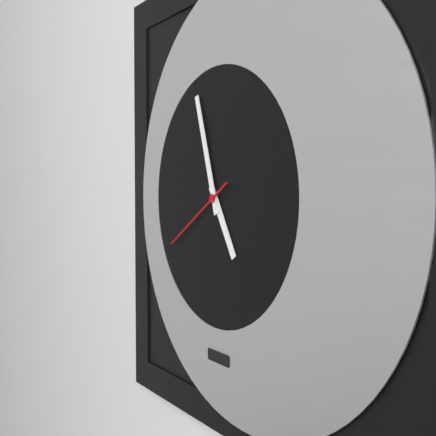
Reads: h=4 m=57 s=40
